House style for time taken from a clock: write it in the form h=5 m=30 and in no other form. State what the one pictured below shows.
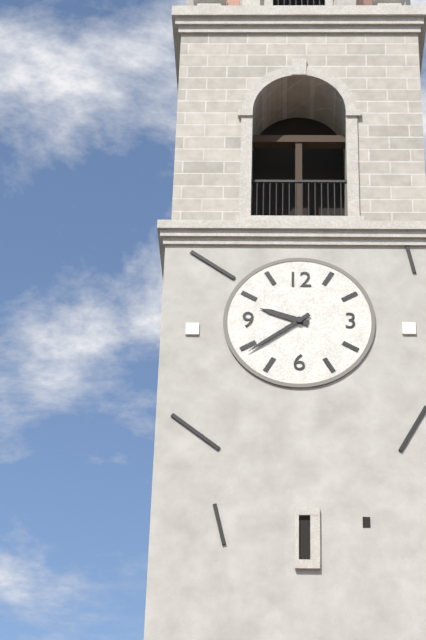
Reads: h=9 m=39
